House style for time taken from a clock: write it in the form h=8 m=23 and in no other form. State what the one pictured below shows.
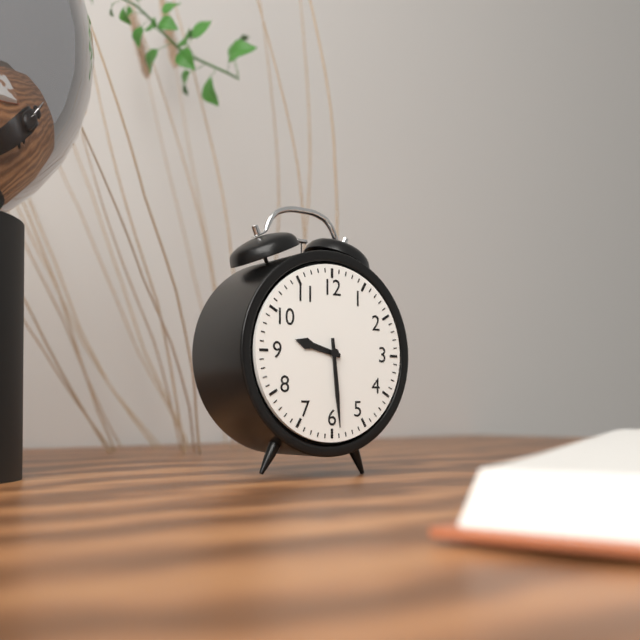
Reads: h=9 m=29
